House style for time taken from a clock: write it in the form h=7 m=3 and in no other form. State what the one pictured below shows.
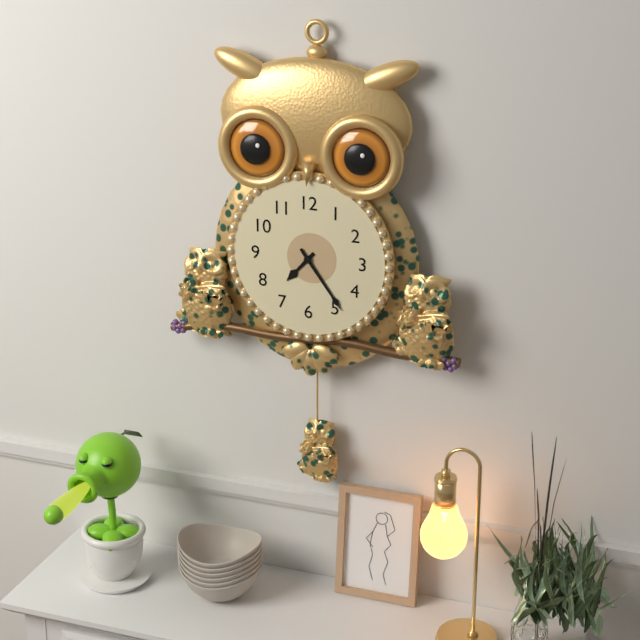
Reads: h=7 m=24
